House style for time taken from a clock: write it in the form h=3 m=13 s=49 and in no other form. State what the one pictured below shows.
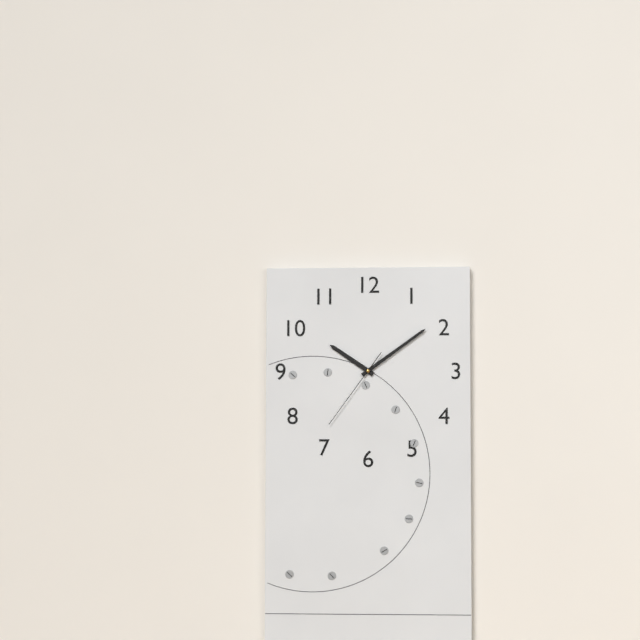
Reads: h=10 m=9 s=36
